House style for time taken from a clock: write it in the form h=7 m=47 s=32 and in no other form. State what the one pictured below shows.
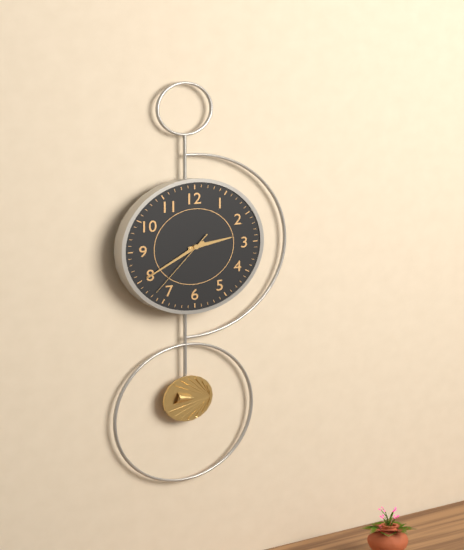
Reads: h=2 m=40 s=37
